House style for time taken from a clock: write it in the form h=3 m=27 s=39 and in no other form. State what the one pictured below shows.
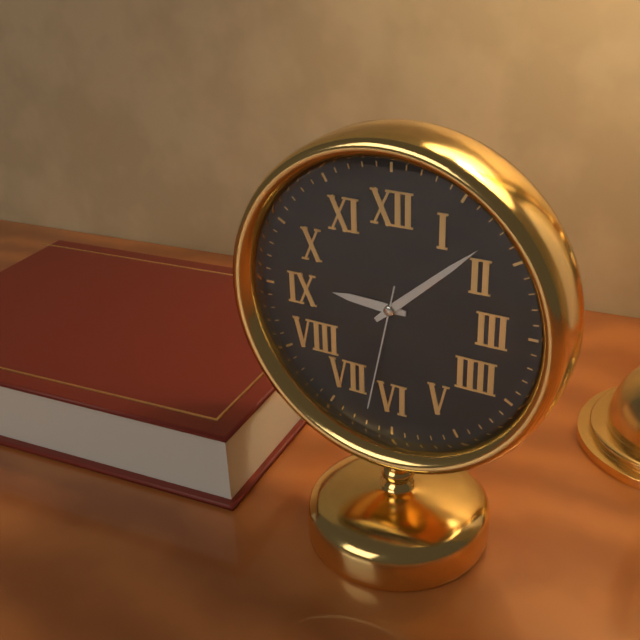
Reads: h=9 m=8 s=32
